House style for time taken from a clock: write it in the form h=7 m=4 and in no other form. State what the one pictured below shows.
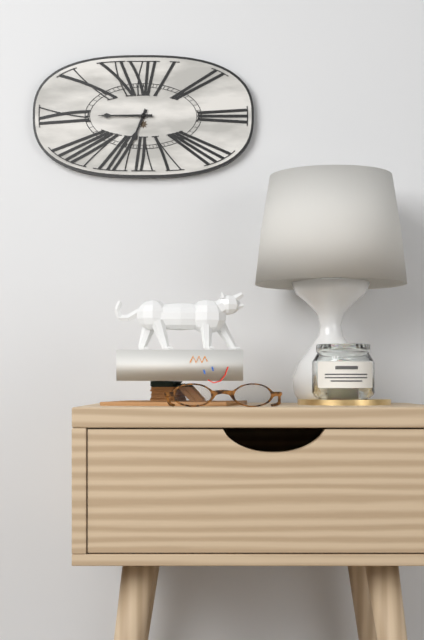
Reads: h=6 m=45
